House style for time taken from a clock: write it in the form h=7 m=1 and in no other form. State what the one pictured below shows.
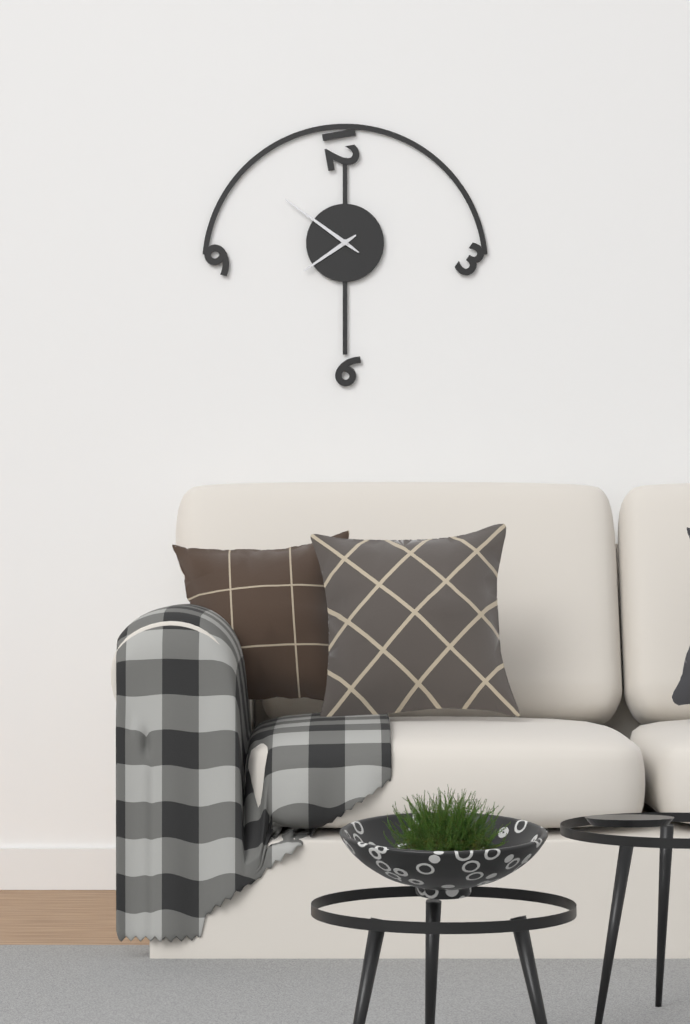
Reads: h=7 m=51
